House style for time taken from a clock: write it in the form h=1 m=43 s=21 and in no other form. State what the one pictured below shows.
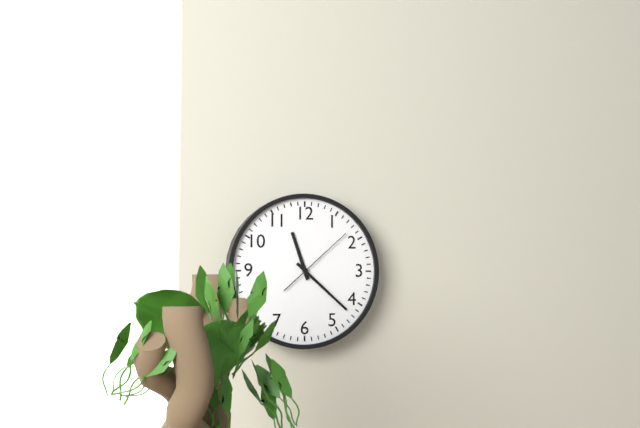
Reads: h=11 m=22 s=8
